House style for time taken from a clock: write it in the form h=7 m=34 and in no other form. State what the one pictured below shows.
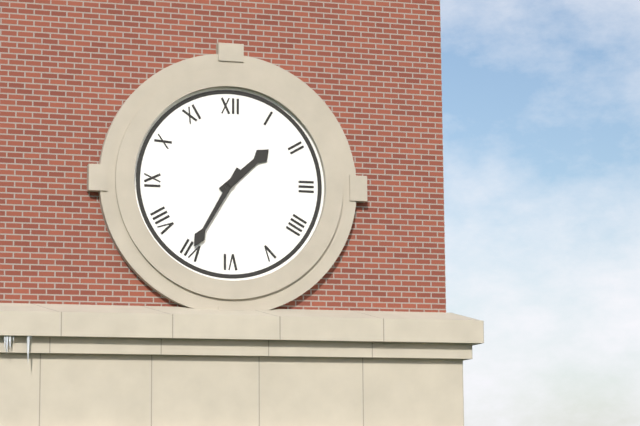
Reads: h=1 m=35
